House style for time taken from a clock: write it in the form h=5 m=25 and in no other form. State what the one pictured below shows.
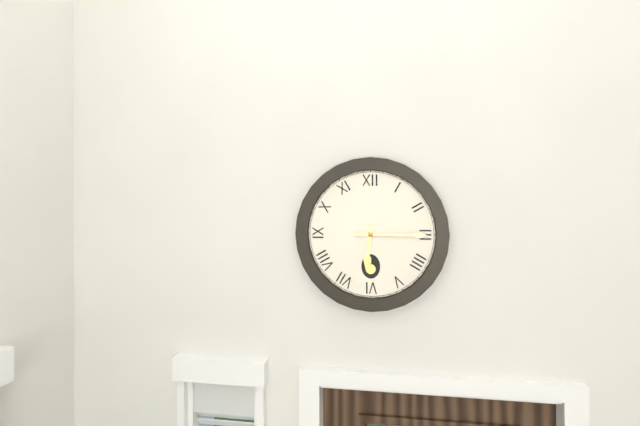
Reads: h=6 m=15
